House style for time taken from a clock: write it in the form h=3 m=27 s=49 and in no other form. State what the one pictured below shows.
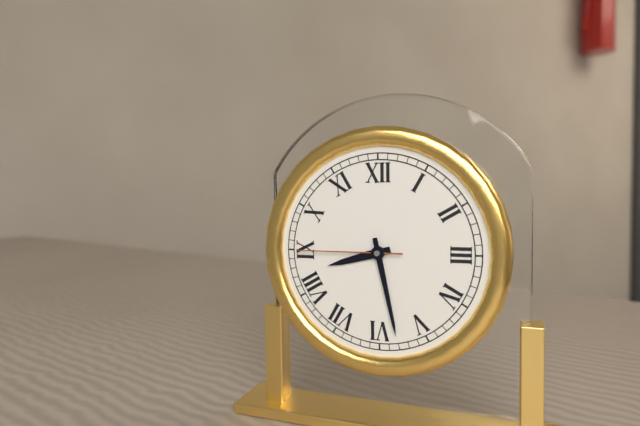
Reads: h=8 m=28 s=45
